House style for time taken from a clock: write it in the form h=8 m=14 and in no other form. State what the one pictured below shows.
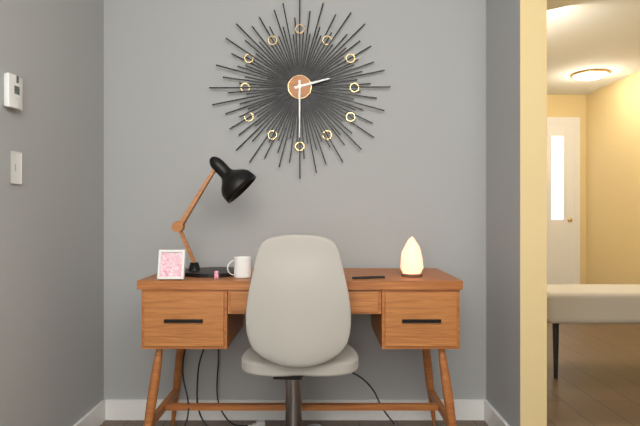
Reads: h=2 m=30
